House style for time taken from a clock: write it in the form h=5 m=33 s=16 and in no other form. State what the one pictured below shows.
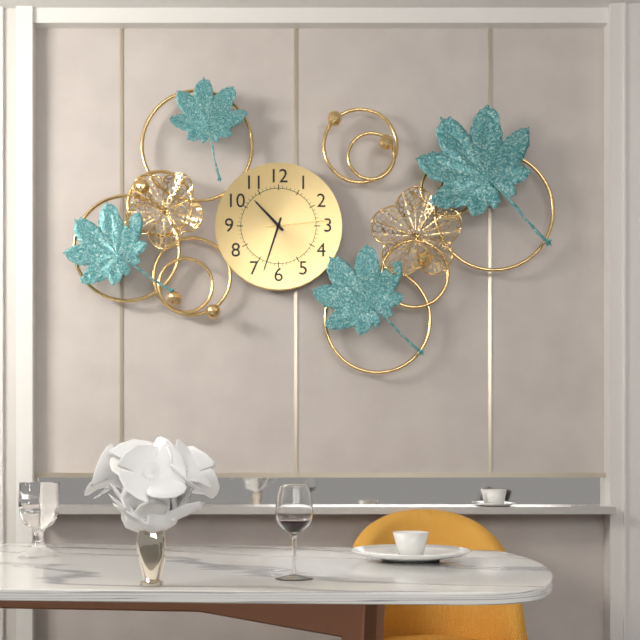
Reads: h=10 m=33 s=14
